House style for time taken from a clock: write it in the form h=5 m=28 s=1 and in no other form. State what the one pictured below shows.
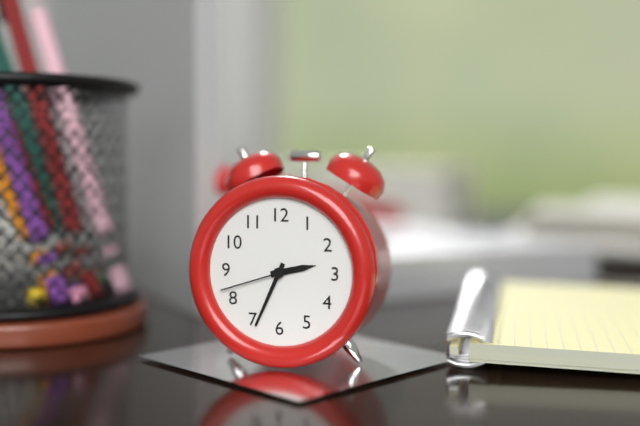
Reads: h=2 m=34 s=42
